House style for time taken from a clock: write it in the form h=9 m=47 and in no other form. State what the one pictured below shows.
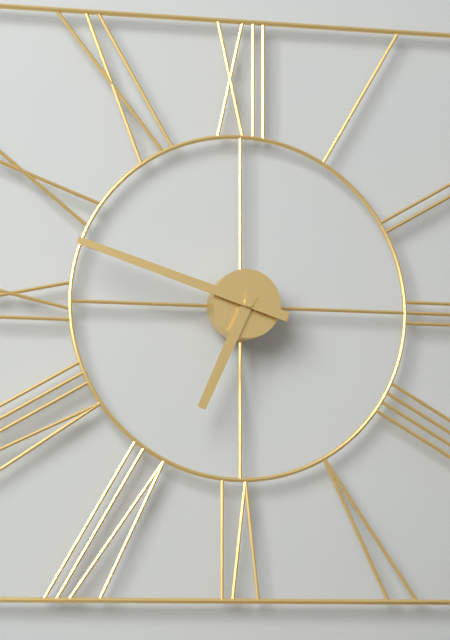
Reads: h=6 m=48
